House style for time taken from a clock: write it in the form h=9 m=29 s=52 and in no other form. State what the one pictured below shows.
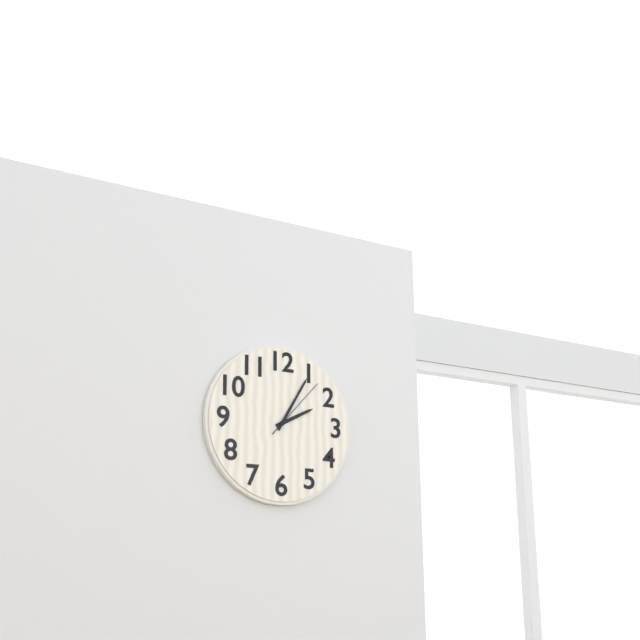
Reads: h=2 m=5 s=7
